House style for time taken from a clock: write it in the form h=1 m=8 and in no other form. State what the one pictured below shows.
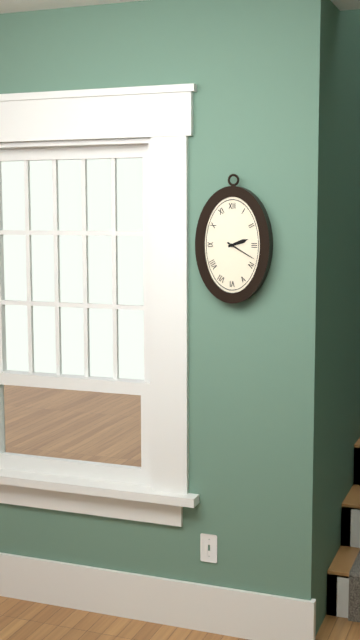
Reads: h=2 m=20
